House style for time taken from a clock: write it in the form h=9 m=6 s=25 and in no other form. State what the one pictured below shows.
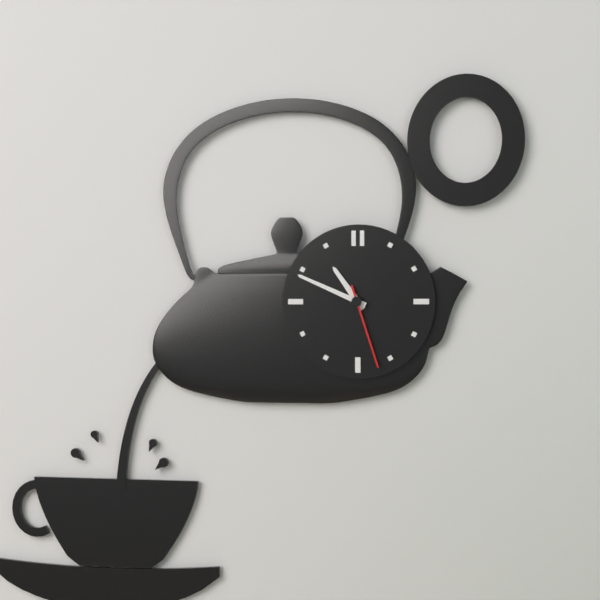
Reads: h=10 m=49 s=27
